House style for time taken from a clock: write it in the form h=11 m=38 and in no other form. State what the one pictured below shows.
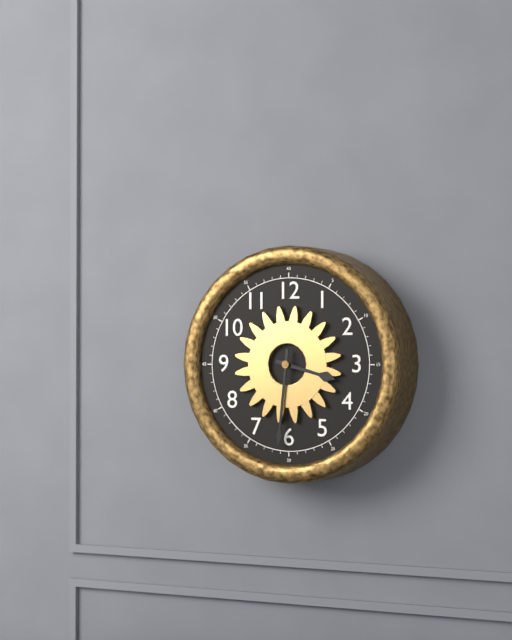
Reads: h=3 m=31
